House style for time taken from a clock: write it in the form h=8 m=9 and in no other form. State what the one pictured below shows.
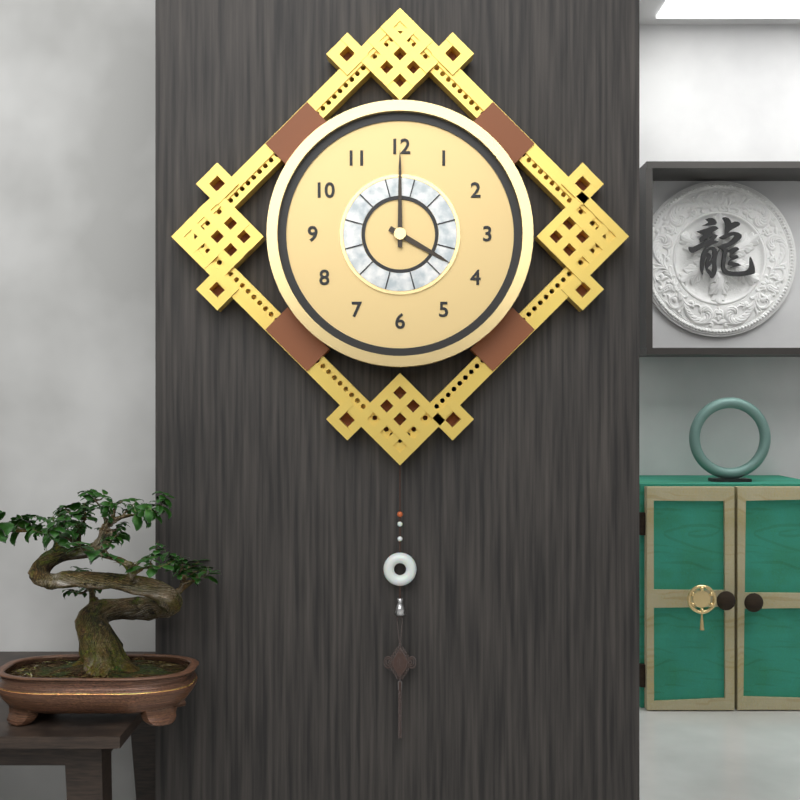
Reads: h=4 m=0
